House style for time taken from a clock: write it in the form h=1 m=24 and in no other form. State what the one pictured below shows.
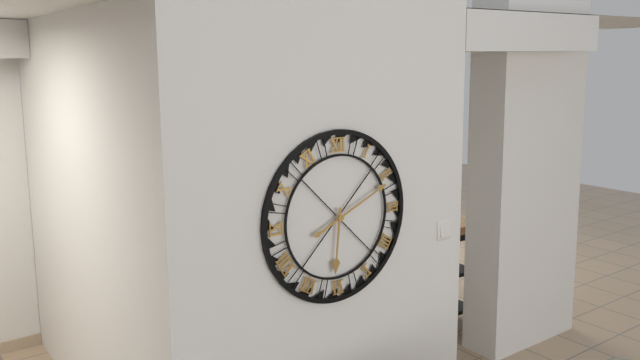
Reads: h=6 m=11
